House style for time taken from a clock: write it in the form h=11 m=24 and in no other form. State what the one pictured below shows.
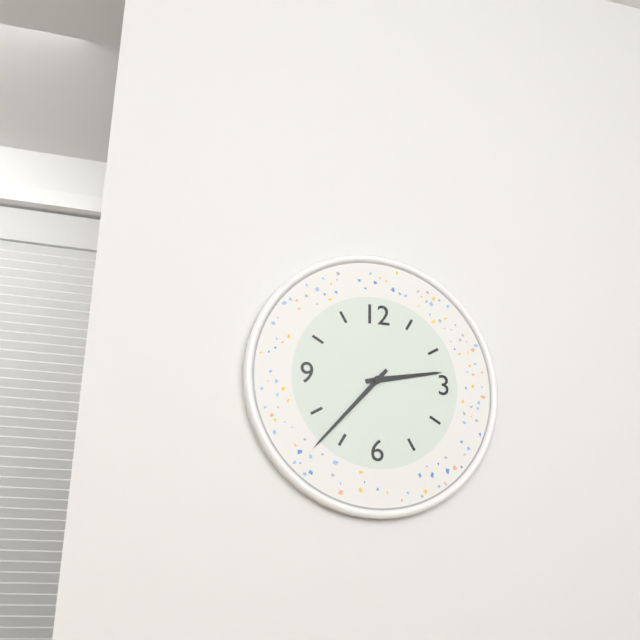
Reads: h=2 m=37
